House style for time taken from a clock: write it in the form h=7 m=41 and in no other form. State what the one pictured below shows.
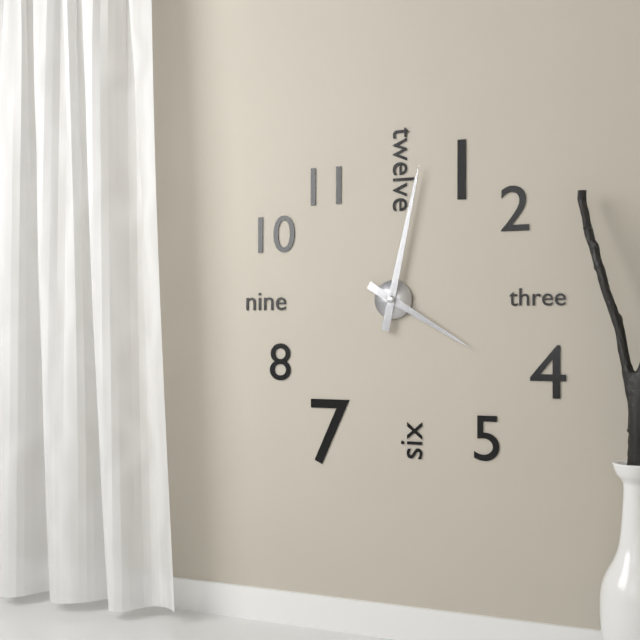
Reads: h=4 m=2
